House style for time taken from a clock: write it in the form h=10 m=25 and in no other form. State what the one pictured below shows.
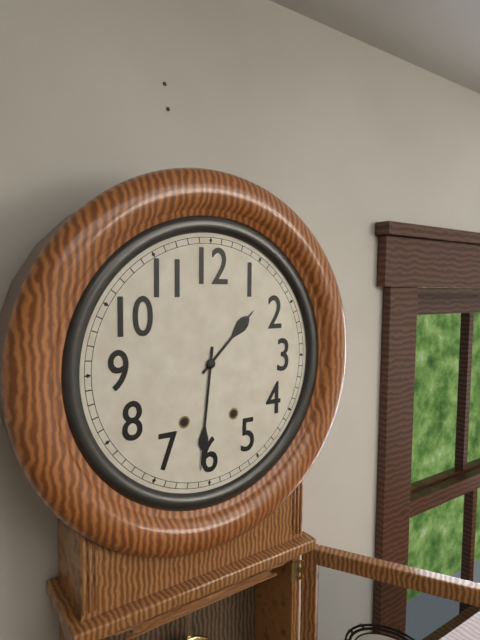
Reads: h=1 m=31
